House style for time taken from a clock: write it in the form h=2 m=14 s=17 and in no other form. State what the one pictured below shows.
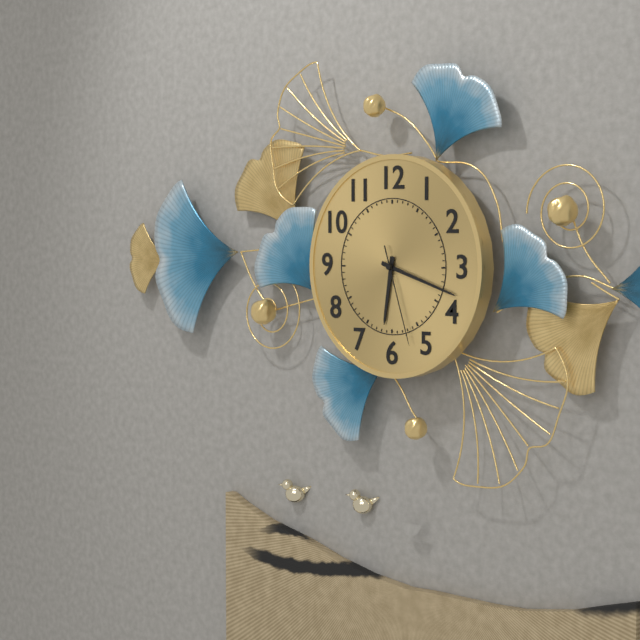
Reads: h=6 m=18 s=27
